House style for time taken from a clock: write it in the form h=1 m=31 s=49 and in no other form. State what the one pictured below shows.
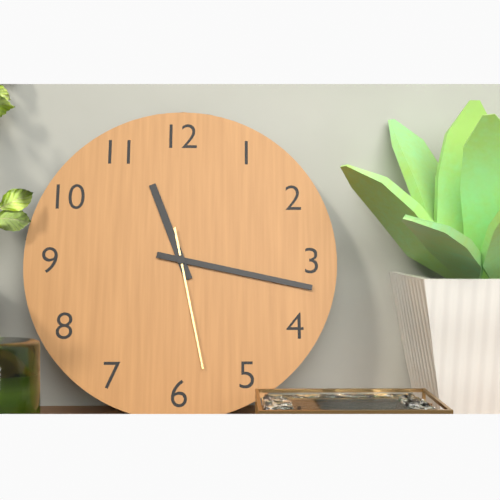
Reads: h=11 m=17 s=28
